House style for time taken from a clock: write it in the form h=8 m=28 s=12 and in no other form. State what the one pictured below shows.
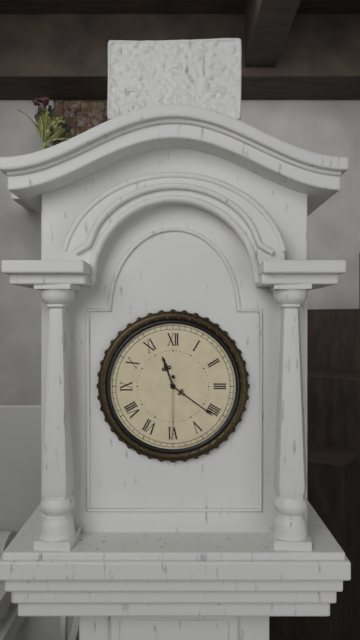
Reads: h=11 m=21 s=30
